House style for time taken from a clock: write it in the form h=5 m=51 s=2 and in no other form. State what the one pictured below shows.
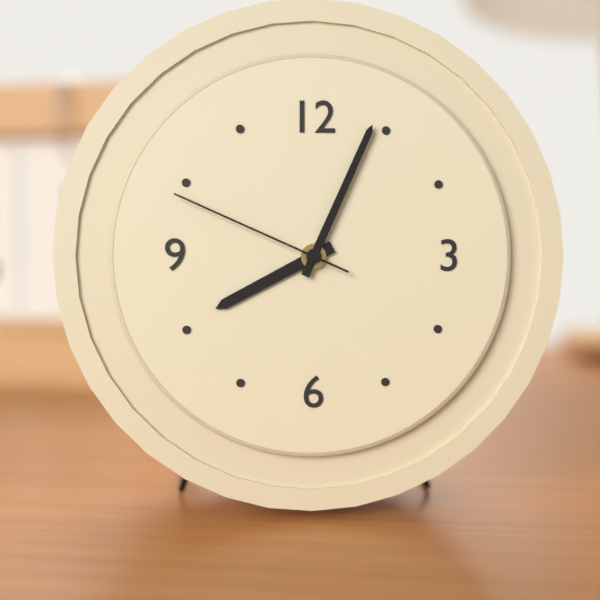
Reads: h=8 m=4 s=49
